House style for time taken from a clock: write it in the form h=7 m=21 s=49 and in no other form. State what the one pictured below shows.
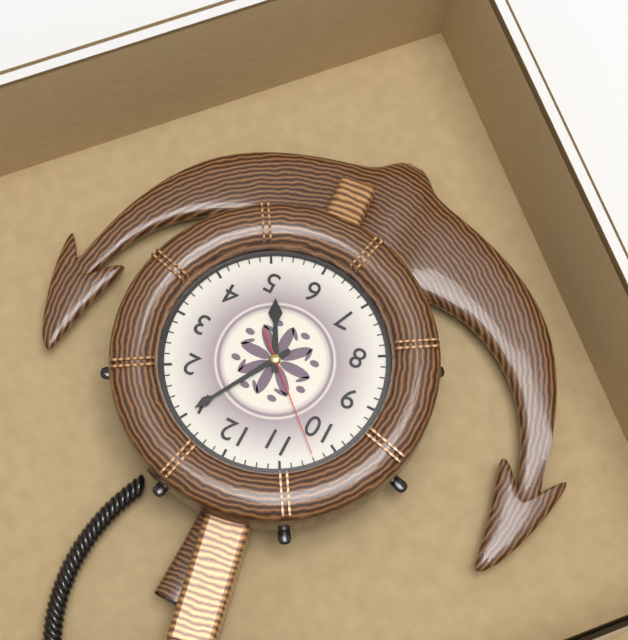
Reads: h=5 m=5 s=52
